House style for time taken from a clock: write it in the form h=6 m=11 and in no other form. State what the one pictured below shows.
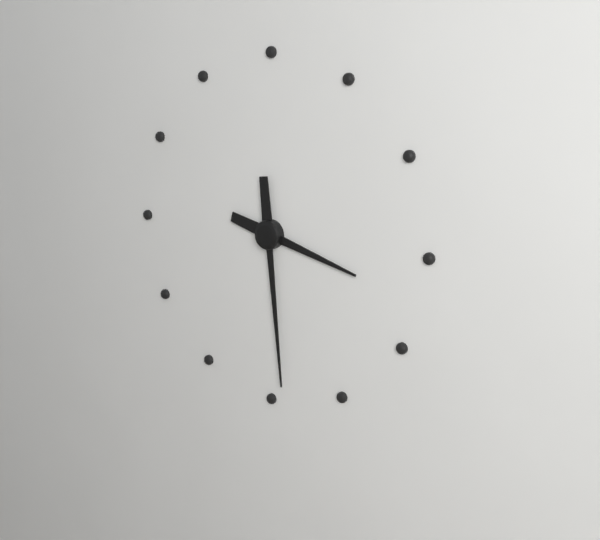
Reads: h=3 m=29
